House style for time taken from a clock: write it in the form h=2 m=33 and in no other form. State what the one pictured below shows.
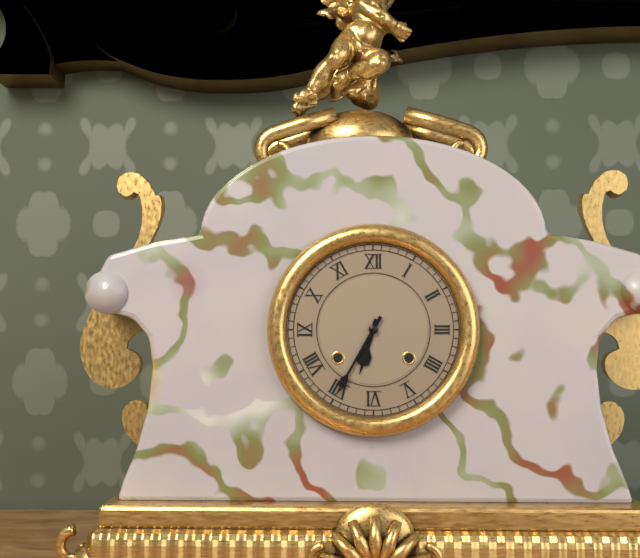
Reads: h=6 m=35
